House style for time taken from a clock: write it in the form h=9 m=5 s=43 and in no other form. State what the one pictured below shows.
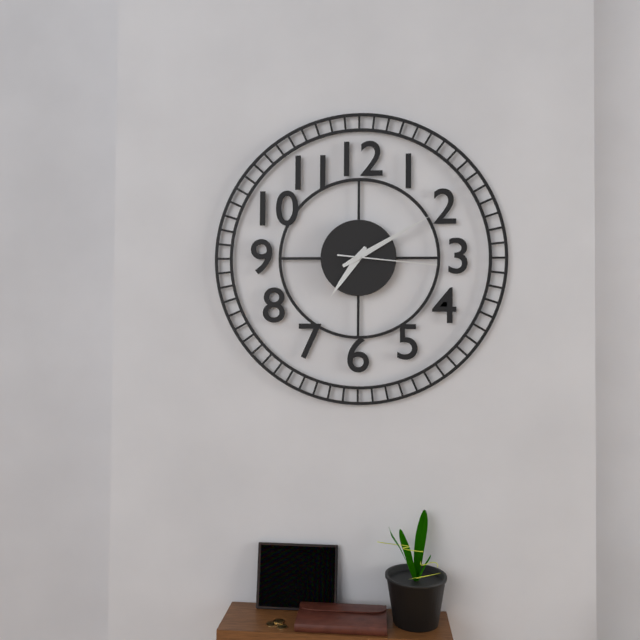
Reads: h=7 m=10 s=16
